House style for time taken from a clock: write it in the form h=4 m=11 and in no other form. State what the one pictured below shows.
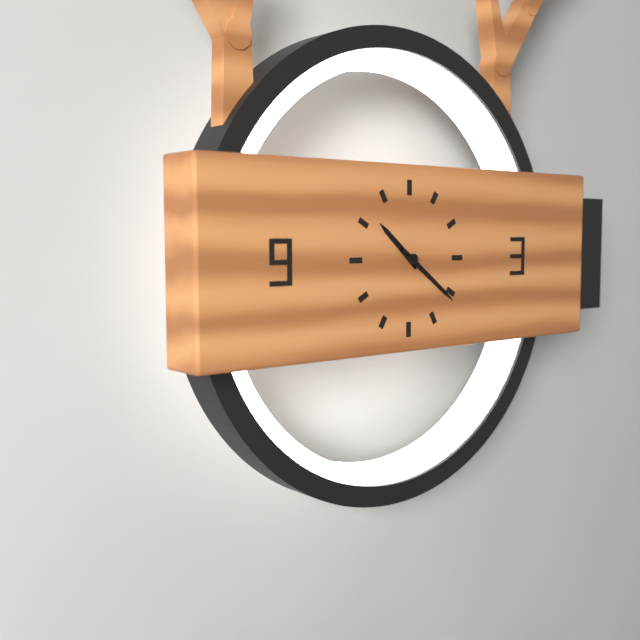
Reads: h=10 m=21
